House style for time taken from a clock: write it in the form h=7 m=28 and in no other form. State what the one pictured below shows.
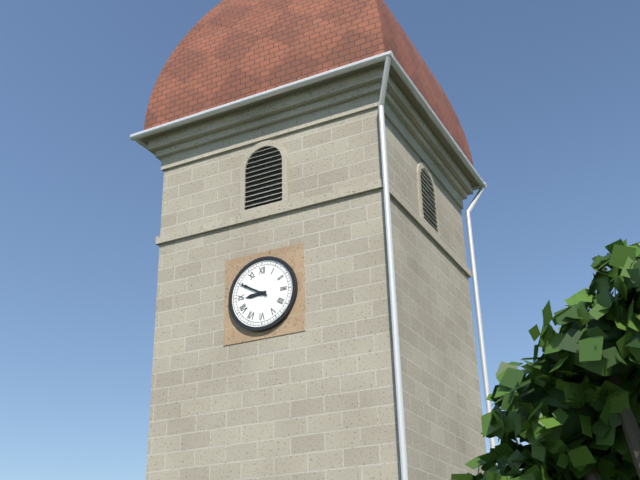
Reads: h=8 m=50
